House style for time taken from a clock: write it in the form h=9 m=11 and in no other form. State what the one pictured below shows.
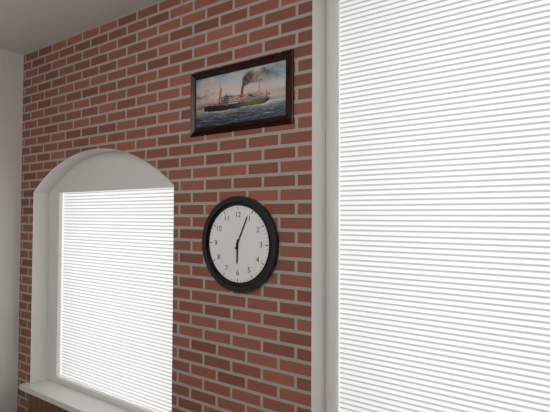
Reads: h=6 m=4
